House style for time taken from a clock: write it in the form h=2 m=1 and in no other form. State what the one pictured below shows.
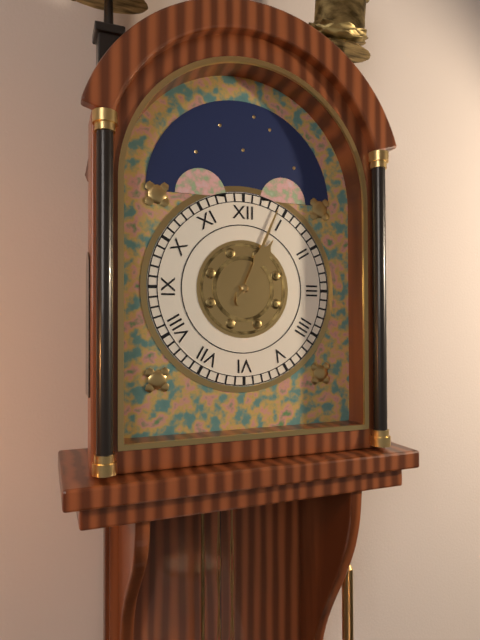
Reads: h=1 m=4
